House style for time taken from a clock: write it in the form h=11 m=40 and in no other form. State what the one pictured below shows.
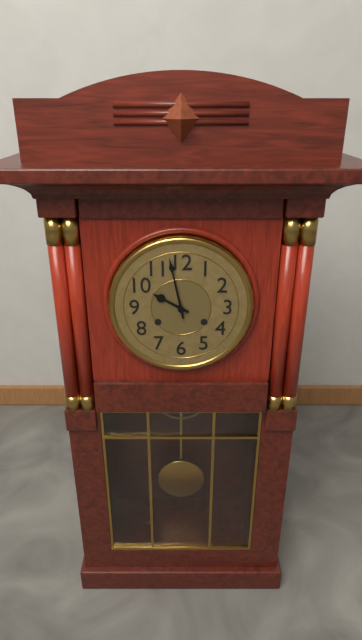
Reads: h=9 m=58
